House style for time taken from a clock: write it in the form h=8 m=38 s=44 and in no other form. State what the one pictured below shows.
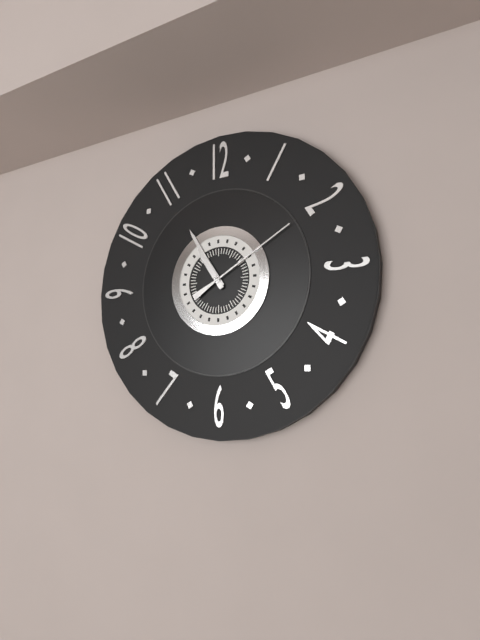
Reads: h=10 m=55 s=10
